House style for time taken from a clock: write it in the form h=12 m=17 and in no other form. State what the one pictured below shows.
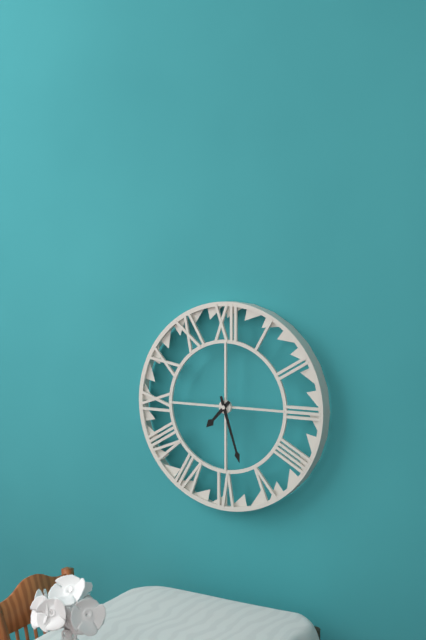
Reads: h=7 m=27
